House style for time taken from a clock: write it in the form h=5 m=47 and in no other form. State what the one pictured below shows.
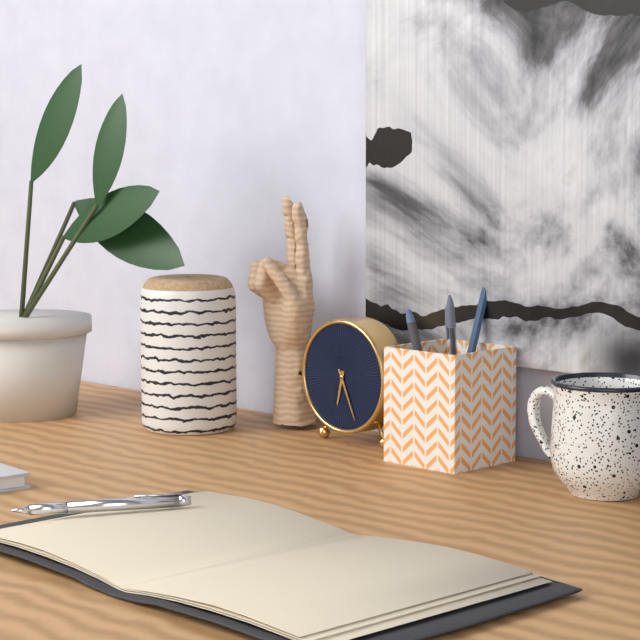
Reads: h=6 m=26
